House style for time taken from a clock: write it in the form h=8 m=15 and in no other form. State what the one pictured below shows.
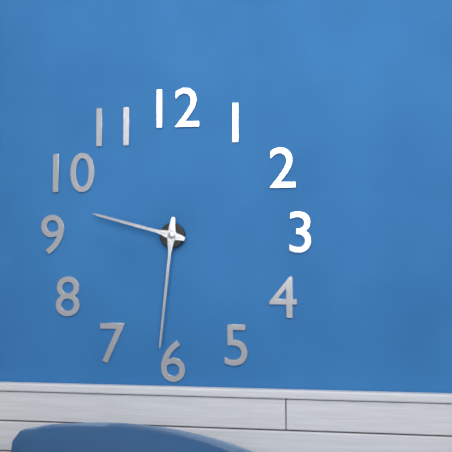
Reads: h=9 m=31
